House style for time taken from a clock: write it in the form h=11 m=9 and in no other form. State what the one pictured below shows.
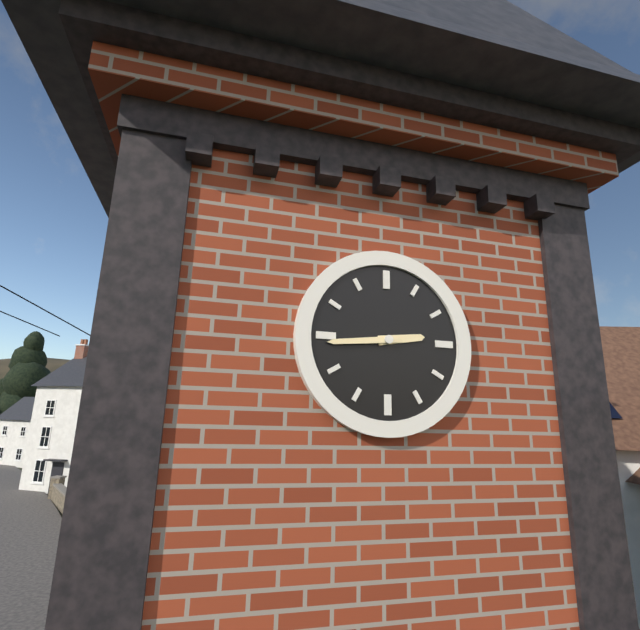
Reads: h=2 m=44
